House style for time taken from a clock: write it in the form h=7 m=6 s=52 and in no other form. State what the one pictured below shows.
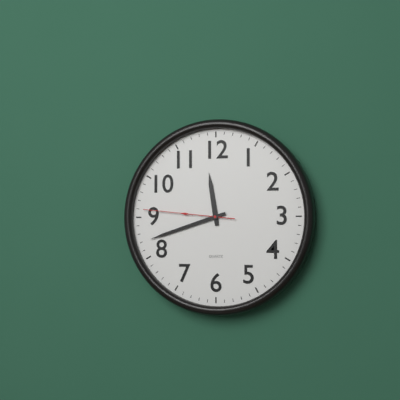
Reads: h=11 m=42 s=46
